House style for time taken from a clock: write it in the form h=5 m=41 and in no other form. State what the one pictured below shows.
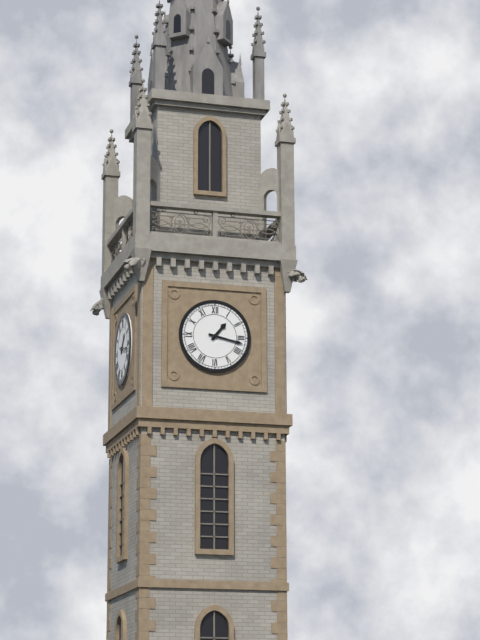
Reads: h=1 m=17
